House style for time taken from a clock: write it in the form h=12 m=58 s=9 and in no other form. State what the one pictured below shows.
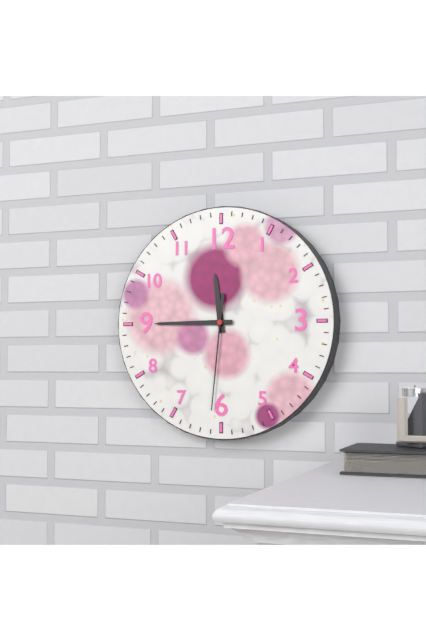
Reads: h=11 m=45 s=31
